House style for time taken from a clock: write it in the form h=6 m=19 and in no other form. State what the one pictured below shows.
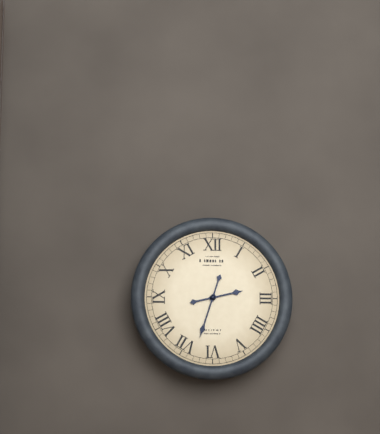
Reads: h=2 m=33
